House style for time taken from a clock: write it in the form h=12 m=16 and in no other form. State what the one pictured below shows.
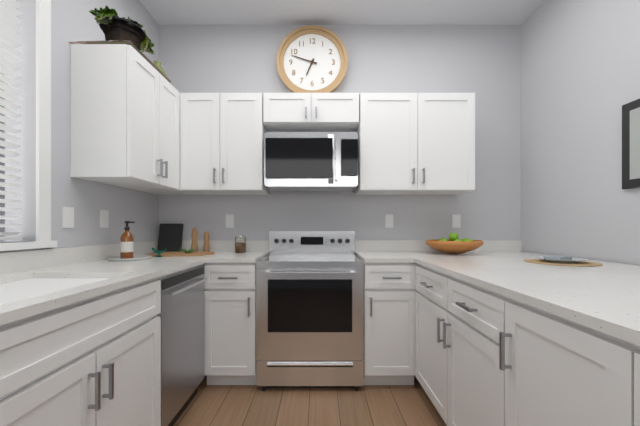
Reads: h=6 m=48
